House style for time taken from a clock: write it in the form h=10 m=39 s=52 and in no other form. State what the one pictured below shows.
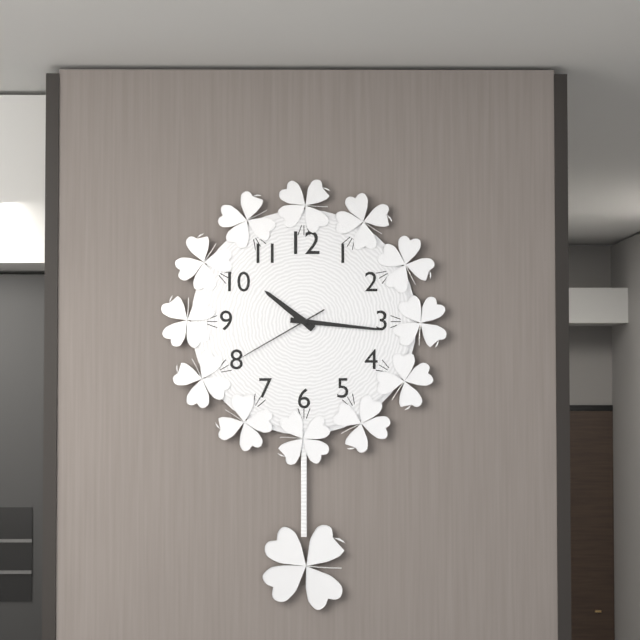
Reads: h=10 m=16 s=40
